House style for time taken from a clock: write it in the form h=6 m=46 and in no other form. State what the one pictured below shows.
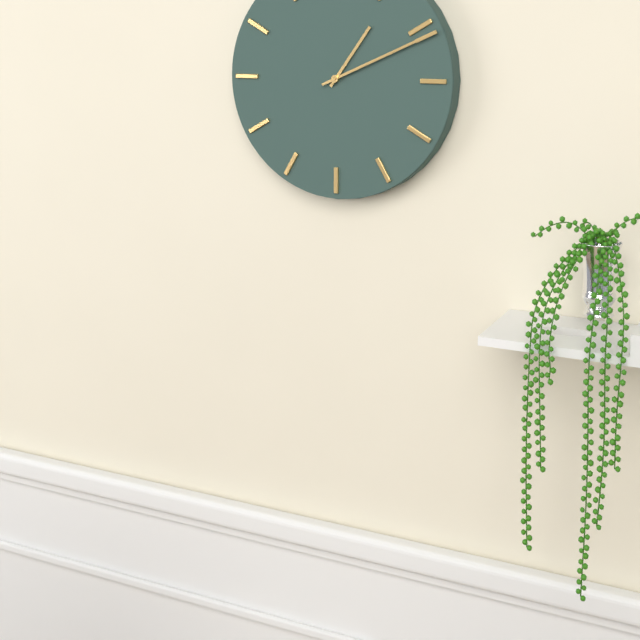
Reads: h=1 m=11
